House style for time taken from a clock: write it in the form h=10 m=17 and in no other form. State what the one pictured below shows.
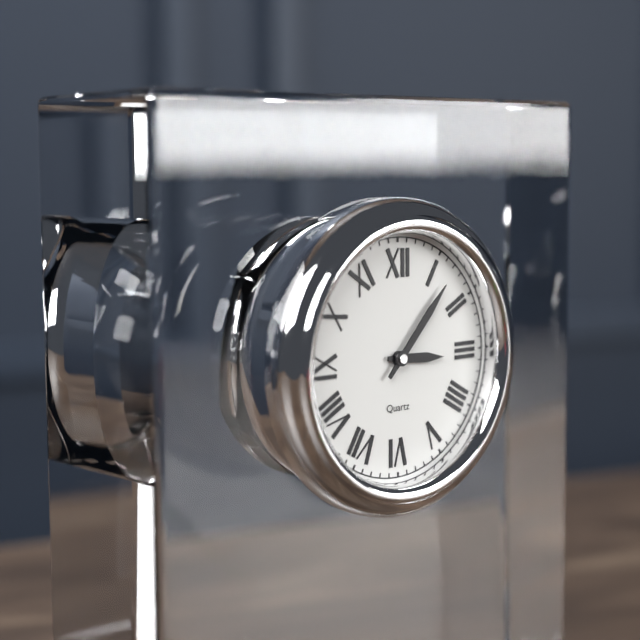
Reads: h=3 m=7
